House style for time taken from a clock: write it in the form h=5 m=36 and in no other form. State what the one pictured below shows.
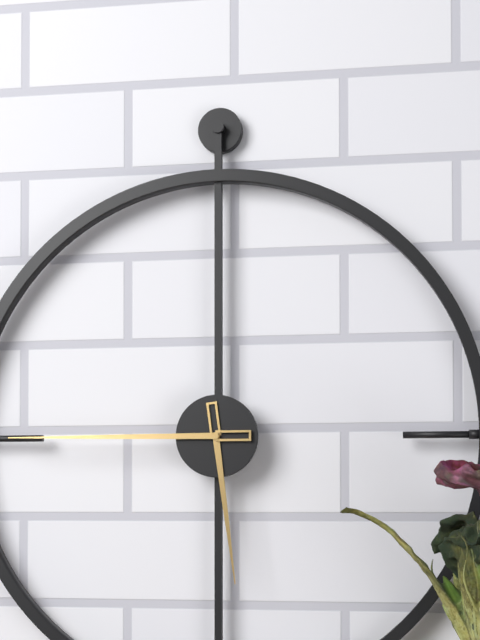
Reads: h=5 m=45
